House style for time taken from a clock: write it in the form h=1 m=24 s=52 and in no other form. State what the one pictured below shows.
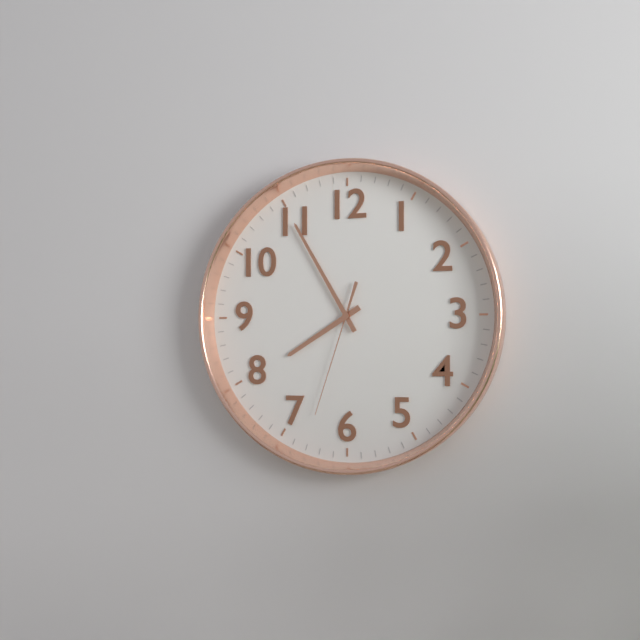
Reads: h=7 m=55 s=33
